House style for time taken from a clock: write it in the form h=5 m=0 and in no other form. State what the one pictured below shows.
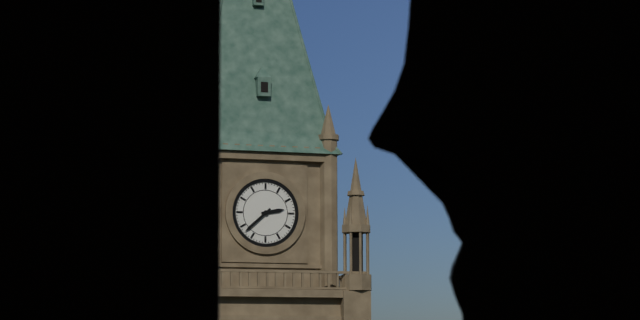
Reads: h=2 m=38
